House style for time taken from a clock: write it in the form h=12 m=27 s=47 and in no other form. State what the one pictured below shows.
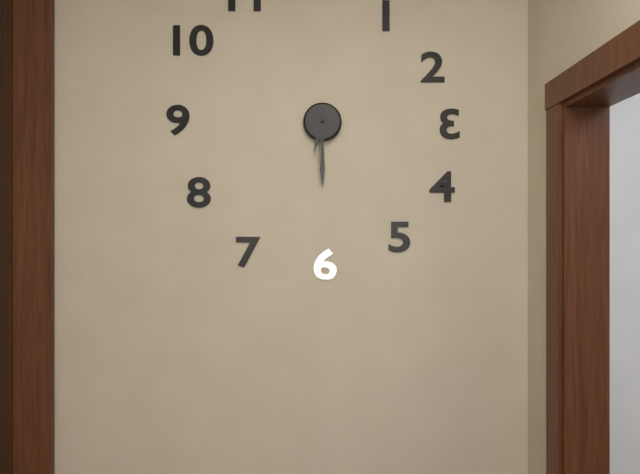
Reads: h=6 m=30 s=31
